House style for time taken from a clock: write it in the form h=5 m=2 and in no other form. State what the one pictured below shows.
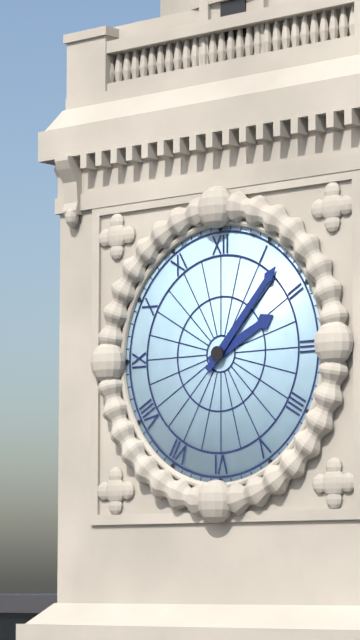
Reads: h=2 m=7
